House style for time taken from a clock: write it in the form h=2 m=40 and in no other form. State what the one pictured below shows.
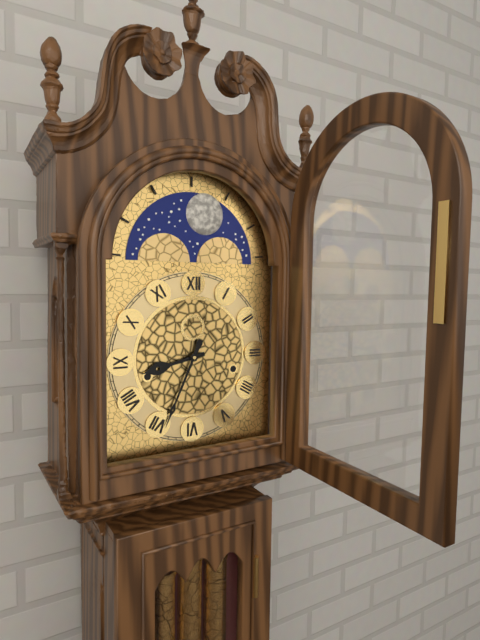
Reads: h=8 m=34
